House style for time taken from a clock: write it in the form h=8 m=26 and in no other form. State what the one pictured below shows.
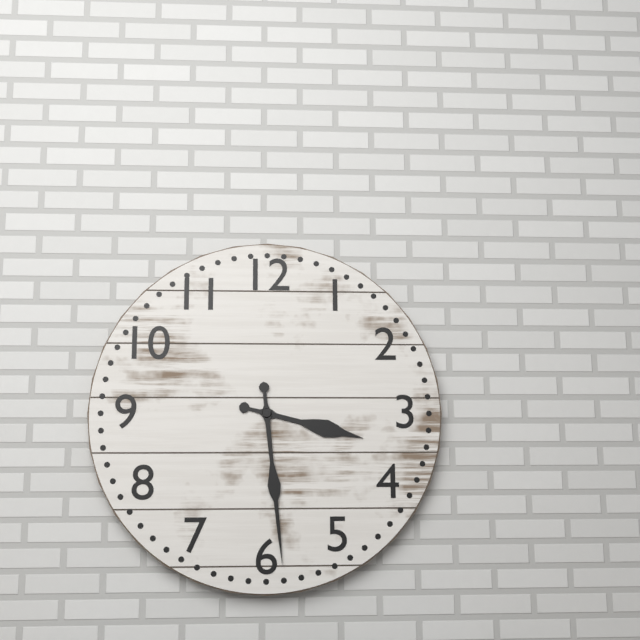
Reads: h=3 m=29
